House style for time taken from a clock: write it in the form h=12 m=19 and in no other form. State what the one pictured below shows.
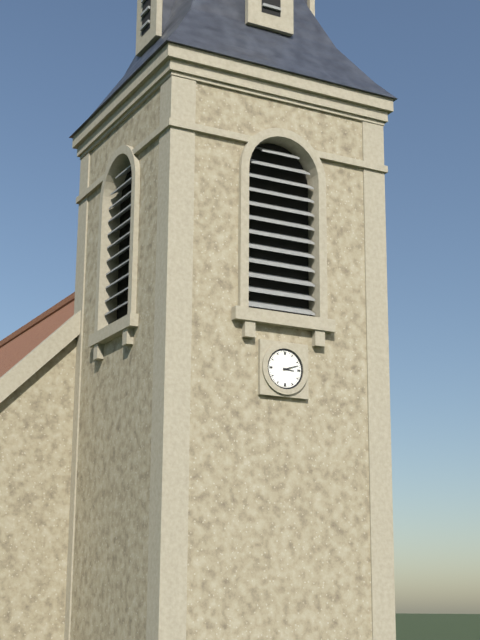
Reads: h=3 m=12
